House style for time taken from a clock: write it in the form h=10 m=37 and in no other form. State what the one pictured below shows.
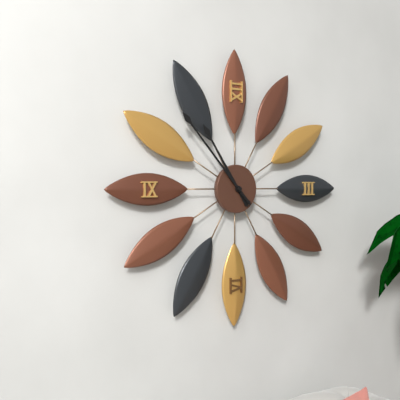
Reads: h=10 m=53
